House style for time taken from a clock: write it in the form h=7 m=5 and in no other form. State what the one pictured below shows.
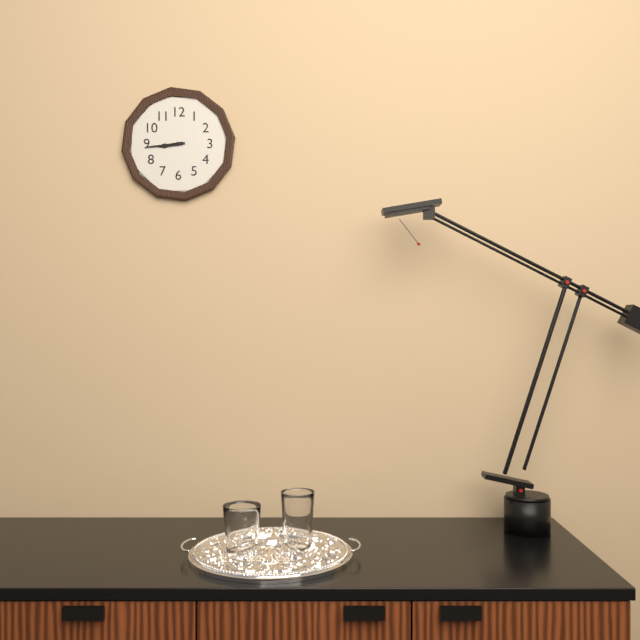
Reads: h=8 m=44
